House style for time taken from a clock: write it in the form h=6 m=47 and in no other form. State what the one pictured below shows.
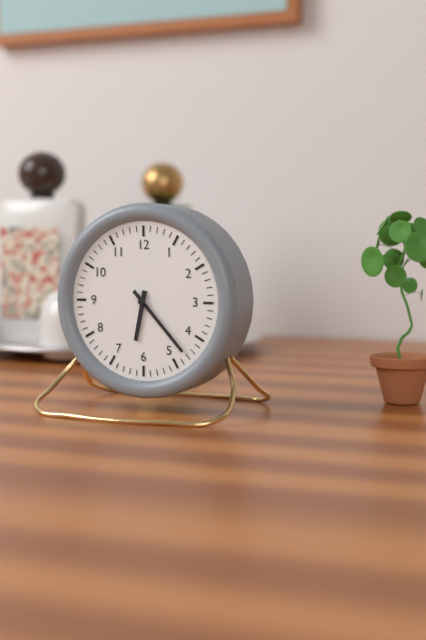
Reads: h=6 m=23
